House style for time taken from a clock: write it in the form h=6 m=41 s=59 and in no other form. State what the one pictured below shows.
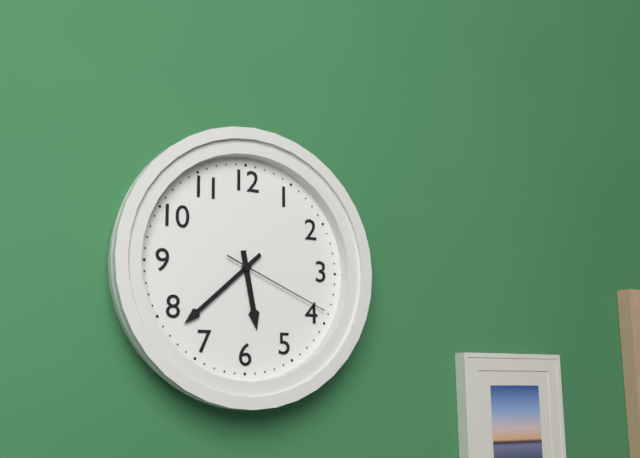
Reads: h=5 m=38 s=19
